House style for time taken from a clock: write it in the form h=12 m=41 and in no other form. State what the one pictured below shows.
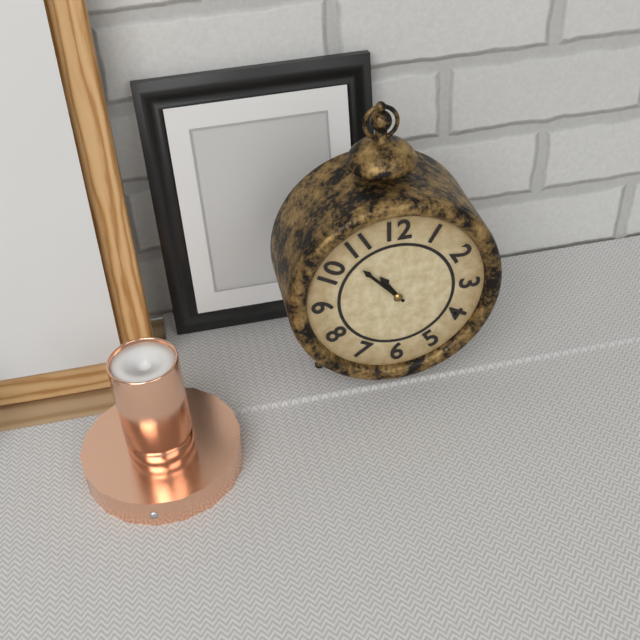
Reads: h=10 m=53
